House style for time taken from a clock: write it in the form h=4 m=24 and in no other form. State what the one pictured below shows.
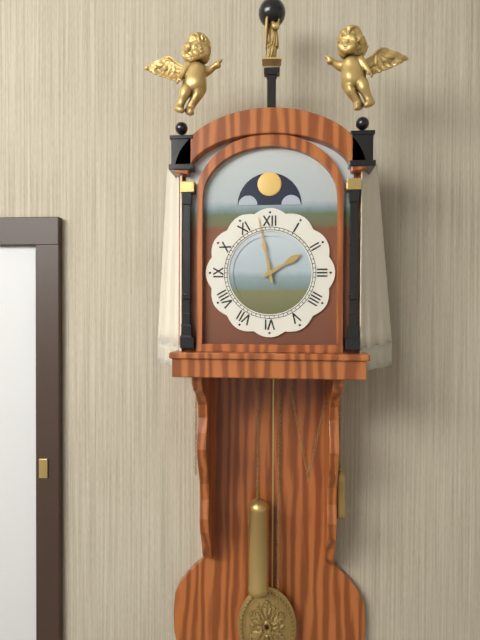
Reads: h=1 m=58
